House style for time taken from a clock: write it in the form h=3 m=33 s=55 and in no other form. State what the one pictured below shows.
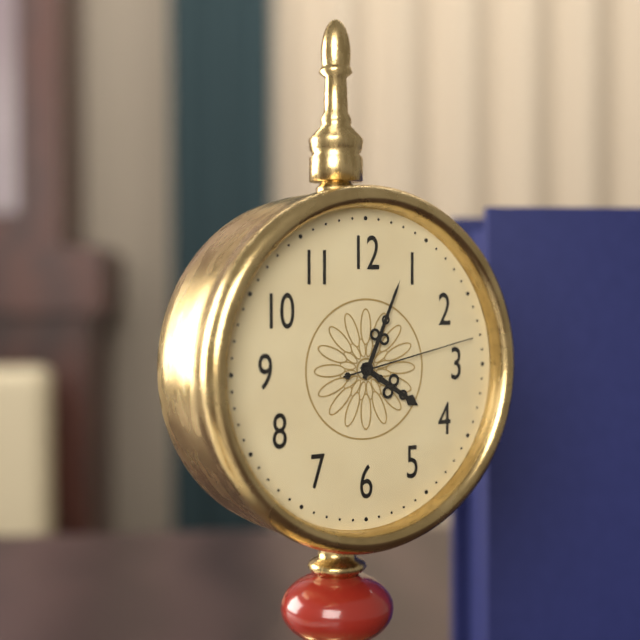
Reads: h=4 m=4 s=13
